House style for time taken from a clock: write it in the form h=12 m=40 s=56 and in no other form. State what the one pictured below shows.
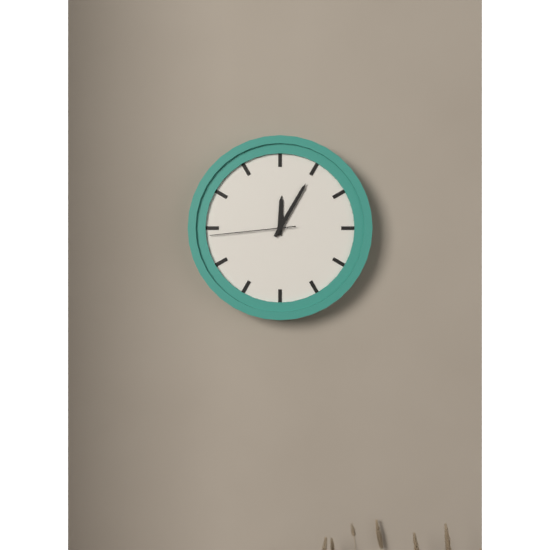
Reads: h=12 m=5 s=44
